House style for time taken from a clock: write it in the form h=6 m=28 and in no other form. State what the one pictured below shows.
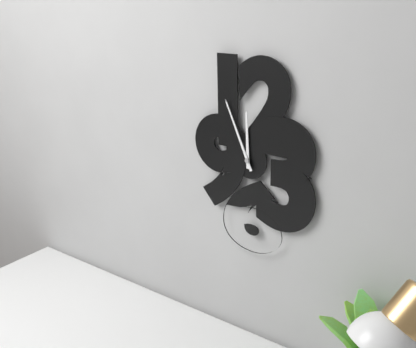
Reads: h=11 m=56
